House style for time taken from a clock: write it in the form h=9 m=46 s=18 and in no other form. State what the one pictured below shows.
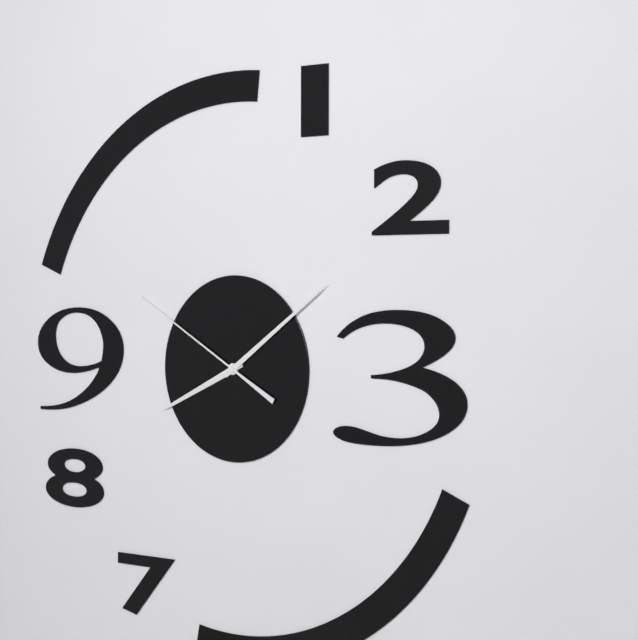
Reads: h=8 m=9 s=50
